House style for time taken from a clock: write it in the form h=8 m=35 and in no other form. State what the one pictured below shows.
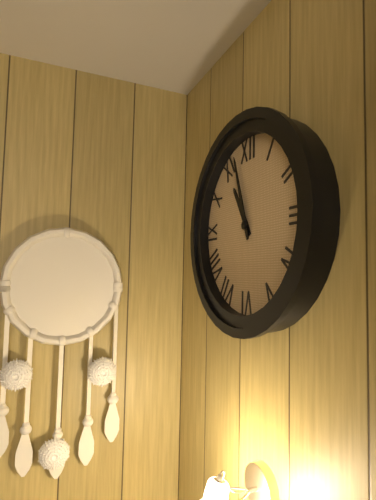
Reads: h=10 m=57
